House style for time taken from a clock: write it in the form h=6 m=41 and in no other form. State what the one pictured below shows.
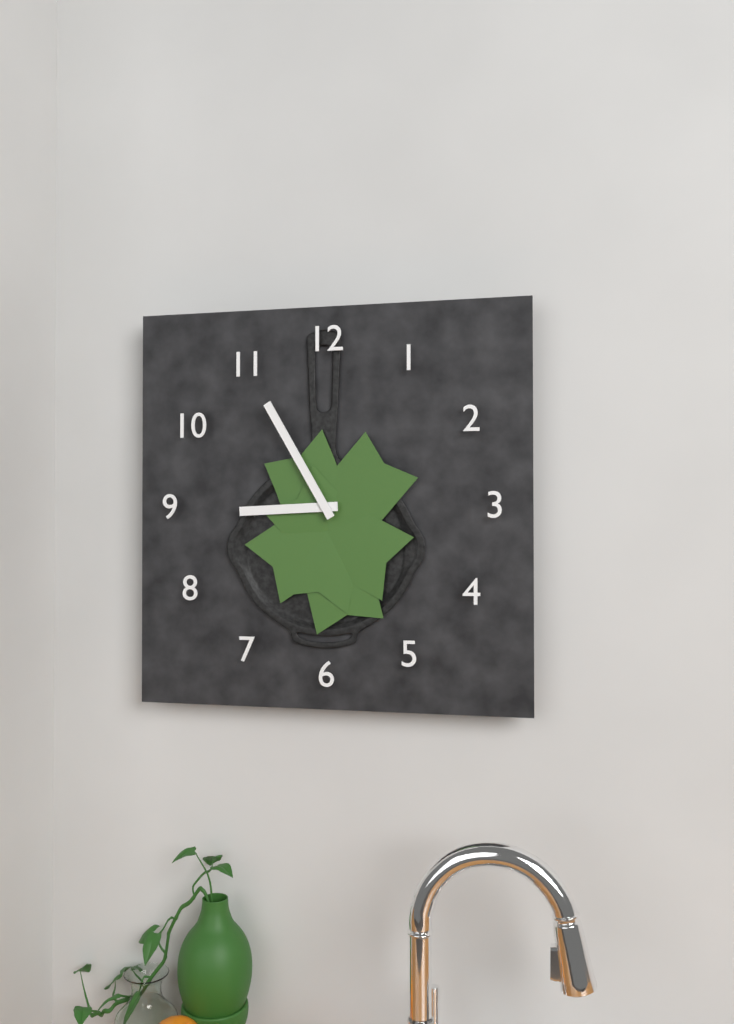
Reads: h=8 m=55
